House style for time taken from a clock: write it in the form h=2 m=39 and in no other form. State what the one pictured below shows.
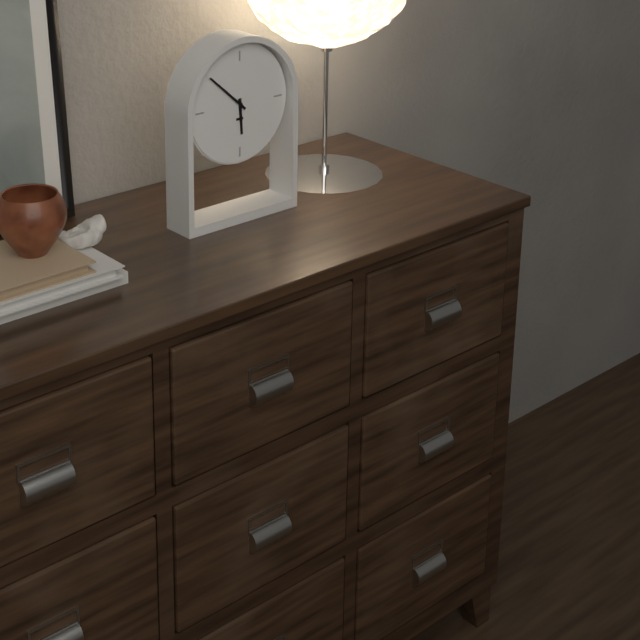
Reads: h=5 m=52
